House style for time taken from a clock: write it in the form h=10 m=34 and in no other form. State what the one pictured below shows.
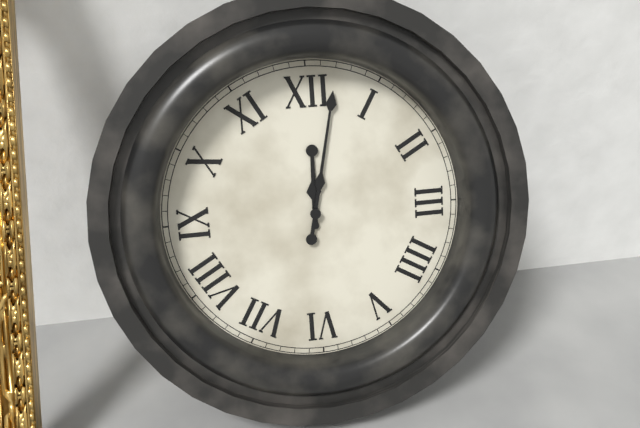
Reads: h=12 m=2
